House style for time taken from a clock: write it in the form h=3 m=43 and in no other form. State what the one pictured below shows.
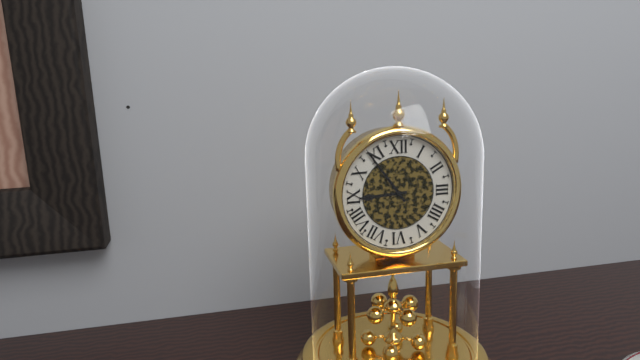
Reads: h=8 m=54
